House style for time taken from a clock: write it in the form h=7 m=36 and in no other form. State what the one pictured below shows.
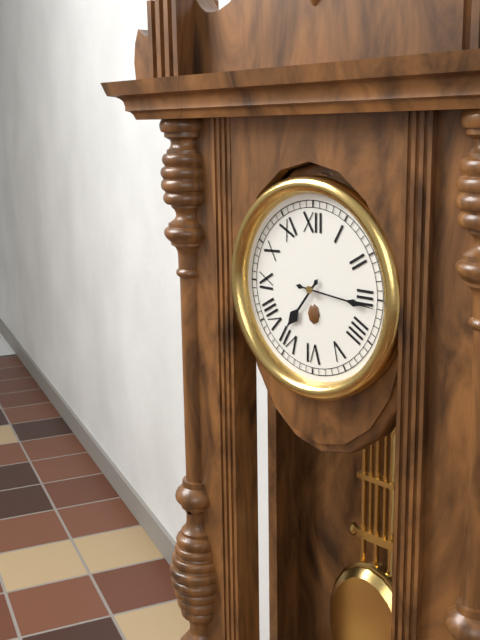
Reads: h=7 m=16
